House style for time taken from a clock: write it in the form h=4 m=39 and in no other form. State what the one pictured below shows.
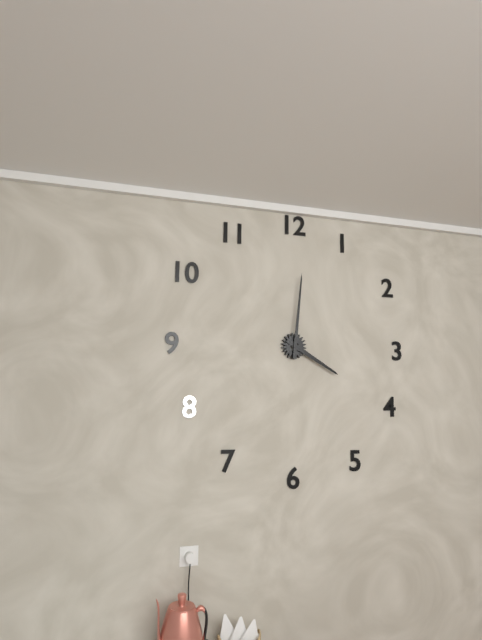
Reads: h=4 m=1
